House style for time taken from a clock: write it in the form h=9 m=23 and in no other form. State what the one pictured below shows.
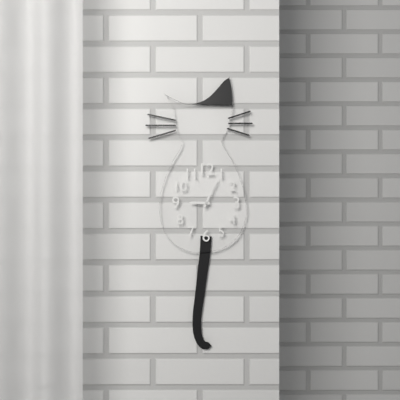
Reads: h=9 m=4
